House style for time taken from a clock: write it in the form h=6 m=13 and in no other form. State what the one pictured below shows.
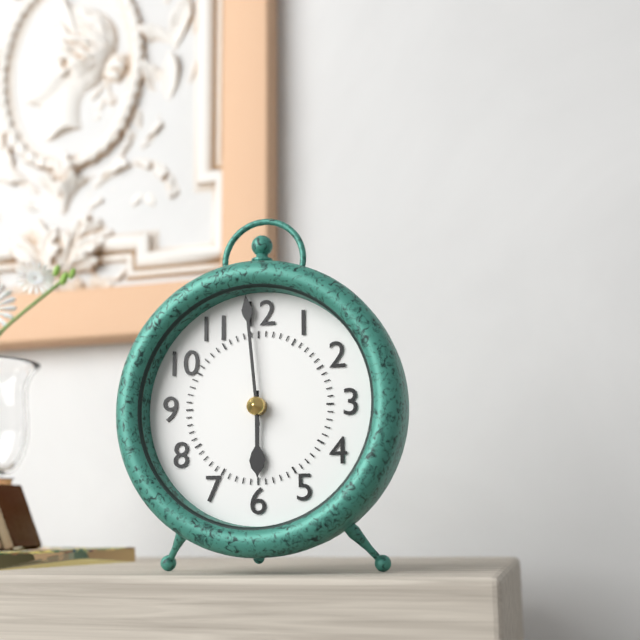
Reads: h=5 m=59
